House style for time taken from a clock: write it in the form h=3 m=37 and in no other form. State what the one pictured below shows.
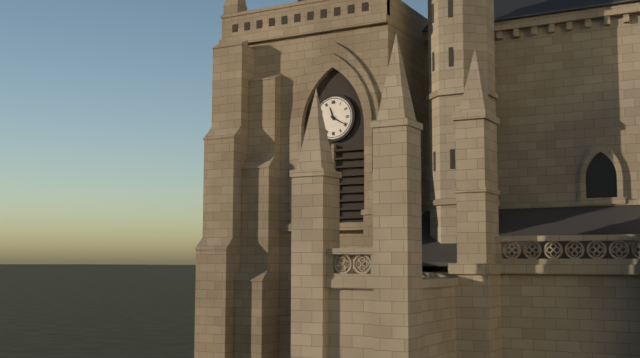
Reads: h=11 m=20
